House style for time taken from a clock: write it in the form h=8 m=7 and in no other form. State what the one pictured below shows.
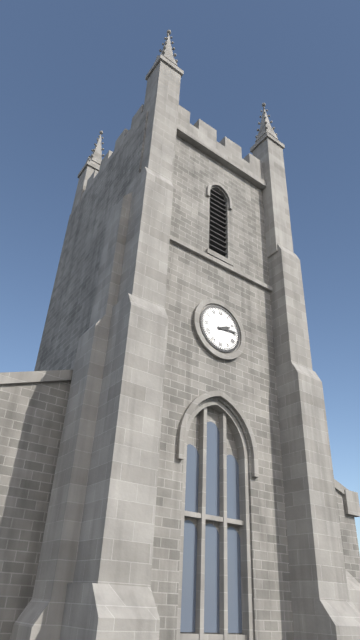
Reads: h=2 m=14
